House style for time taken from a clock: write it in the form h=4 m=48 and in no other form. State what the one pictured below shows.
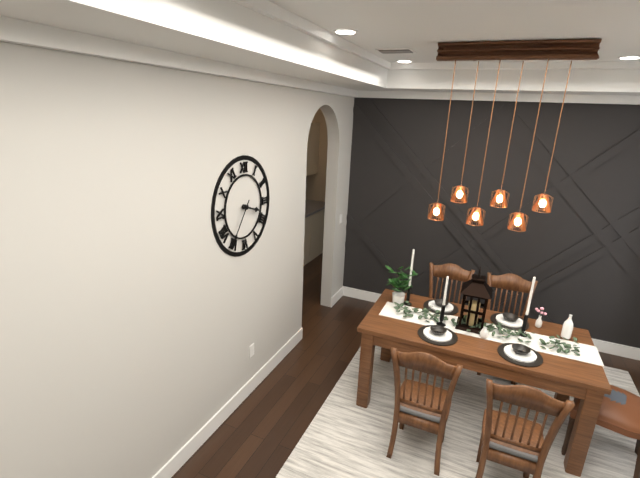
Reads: h=3 m=36
